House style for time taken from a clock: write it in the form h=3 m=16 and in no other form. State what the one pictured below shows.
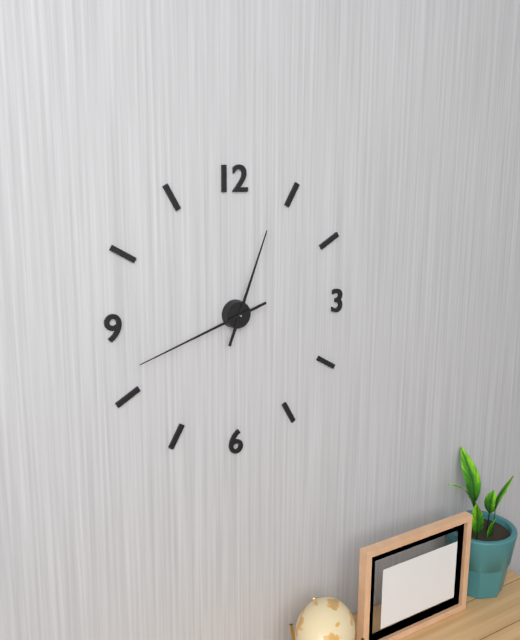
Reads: h=12 m=42
